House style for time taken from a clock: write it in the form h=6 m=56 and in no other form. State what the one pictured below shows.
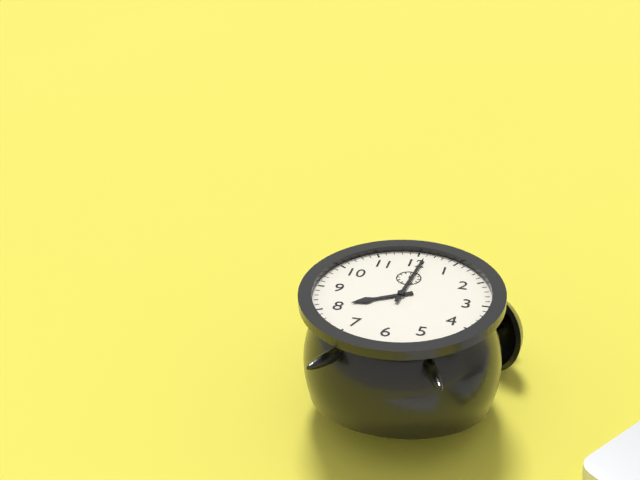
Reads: h=8 m=1
